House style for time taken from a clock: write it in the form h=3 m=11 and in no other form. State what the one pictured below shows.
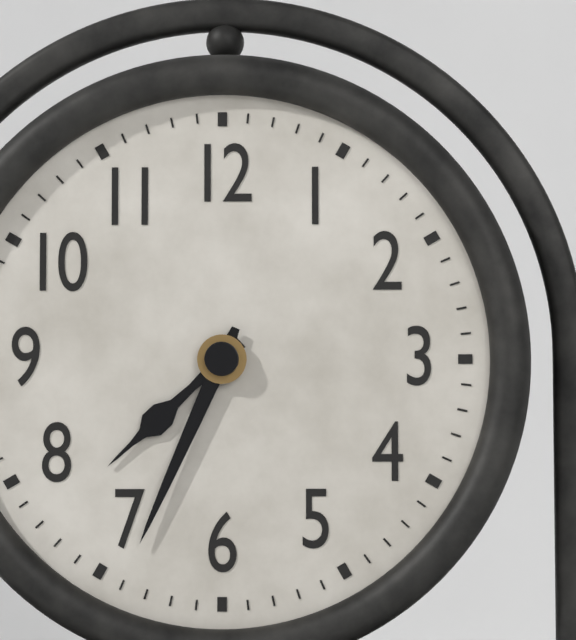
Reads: h=7 m=34
